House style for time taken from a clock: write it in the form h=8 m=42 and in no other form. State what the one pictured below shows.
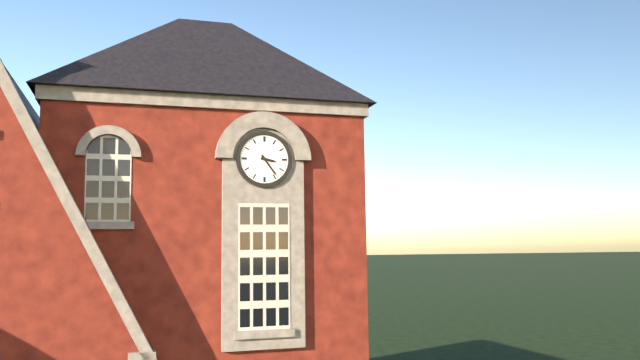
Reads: h=3 m=24
